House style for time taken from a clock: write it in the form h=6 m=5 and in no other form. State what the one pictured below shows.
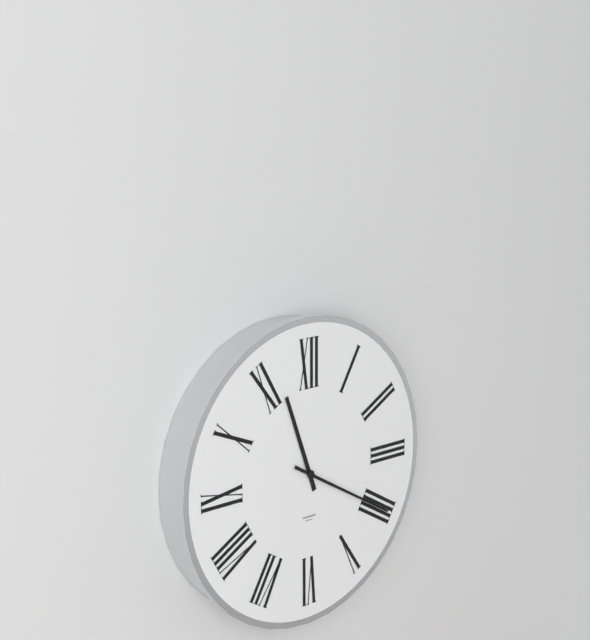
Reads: h=11 m=20
